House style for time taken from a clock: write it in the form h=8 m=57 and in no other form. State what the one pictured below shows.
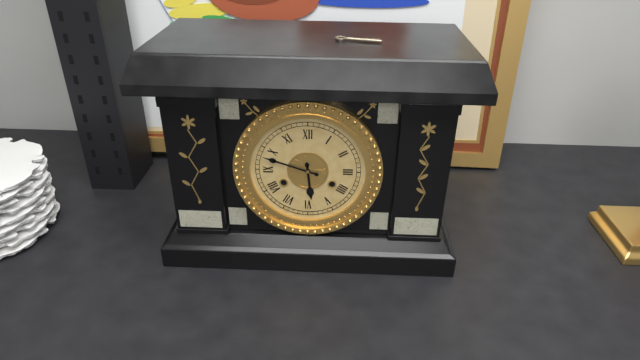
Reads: h=5 m=48
